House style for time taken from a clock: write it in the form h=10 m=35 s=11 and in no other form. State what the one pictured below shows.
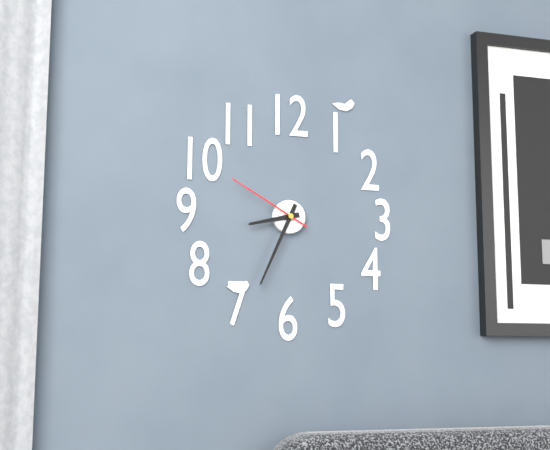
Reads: h=8 m=34 s=50
